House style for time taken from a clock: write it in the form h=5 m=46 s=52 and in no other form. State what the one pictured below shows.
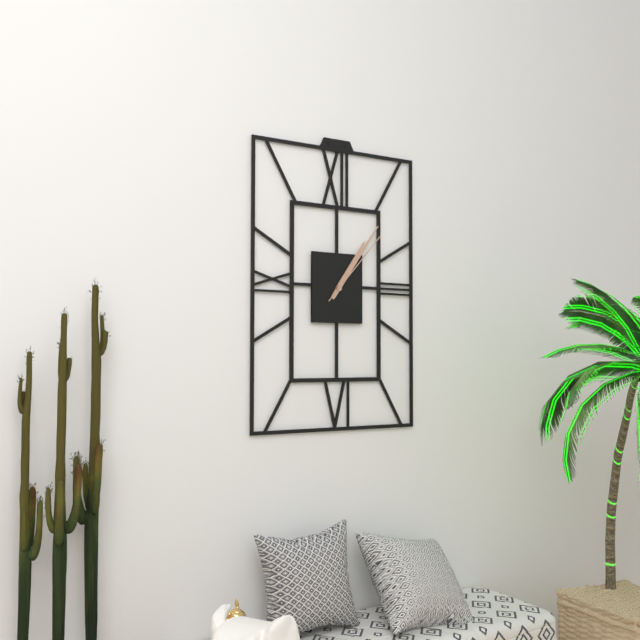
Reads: h=1 m=6 s=7
